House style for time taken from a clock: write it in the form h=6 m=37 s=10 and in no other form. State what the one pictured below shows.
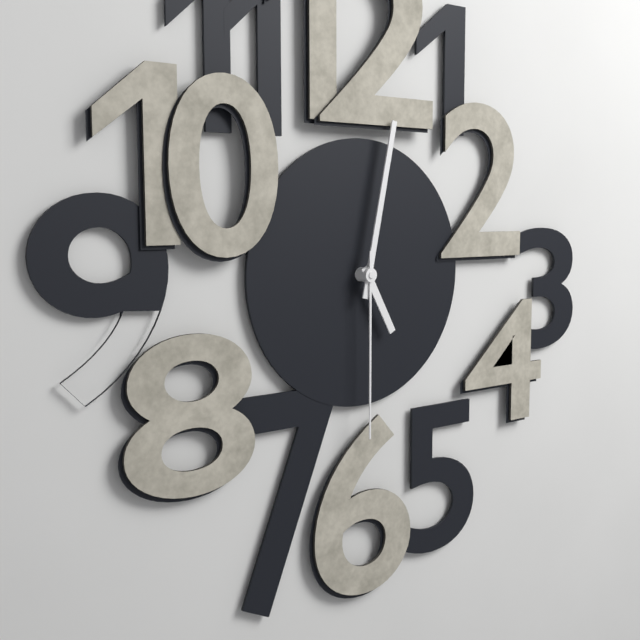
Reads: h=5 m=2 s=30
